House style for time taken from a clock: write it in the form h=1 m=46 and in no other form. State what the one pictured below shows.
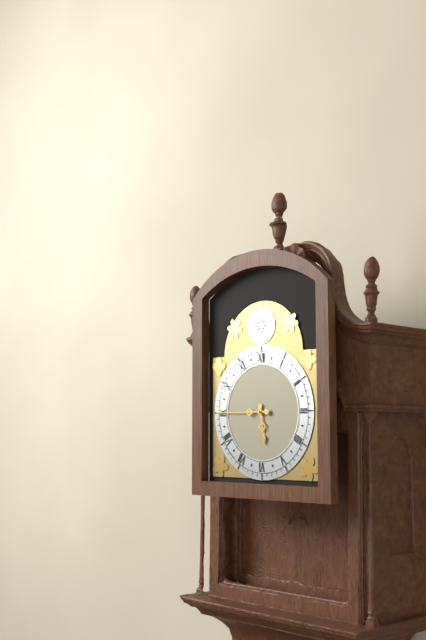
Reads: h=5 m=45
